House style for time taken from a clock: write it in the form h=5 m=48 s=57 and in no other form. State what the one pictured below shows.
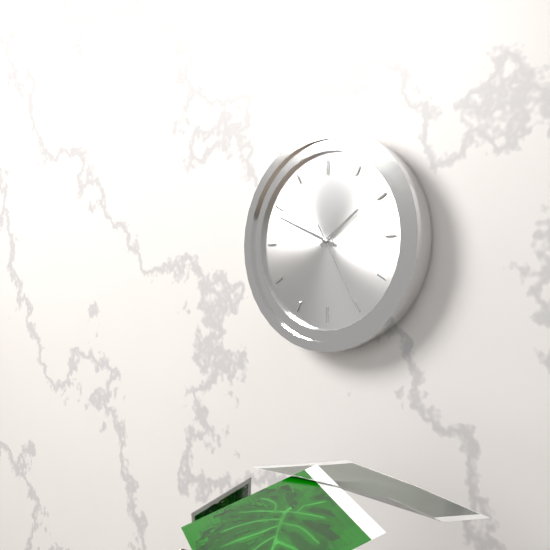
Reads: h=1 m=49 s=25
